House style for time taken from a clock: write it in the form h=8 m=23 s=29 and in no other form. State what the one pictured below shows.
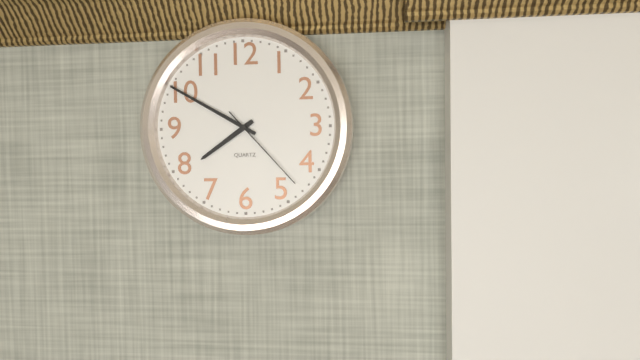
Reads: h=7 m=50 s=23
